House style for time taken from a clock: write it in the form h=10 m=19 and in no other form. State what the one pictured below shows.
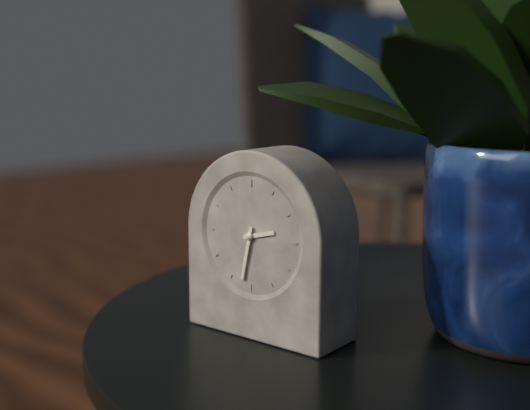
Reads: h=2 m=32
